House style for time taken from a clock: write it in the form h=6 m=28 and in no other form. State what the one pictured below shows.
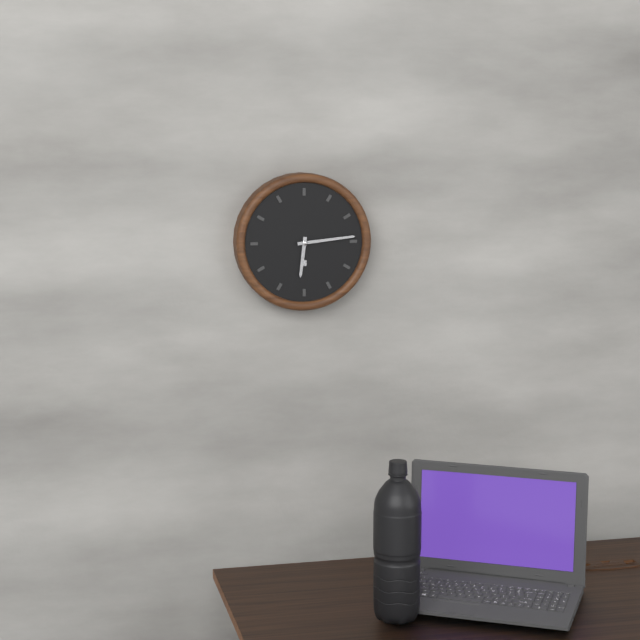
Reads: h=6 m=14
